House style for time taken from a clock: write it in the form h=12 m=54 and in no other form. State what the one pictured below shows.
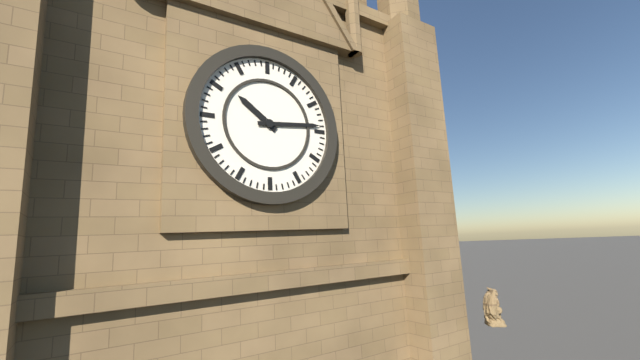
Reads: h=10 m=14
